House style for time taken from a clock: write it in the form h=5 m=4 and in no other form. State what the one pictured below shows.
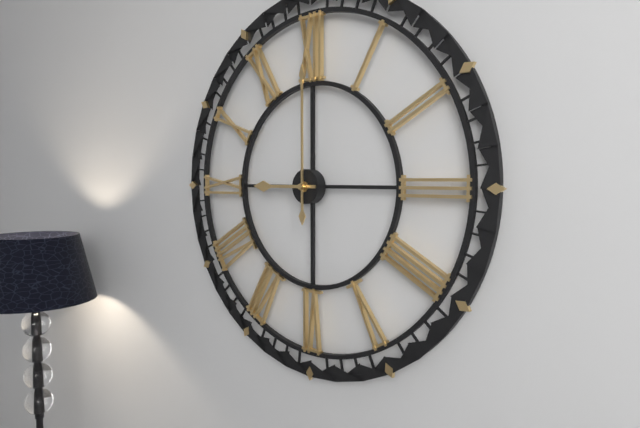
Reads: h=9 m=0
